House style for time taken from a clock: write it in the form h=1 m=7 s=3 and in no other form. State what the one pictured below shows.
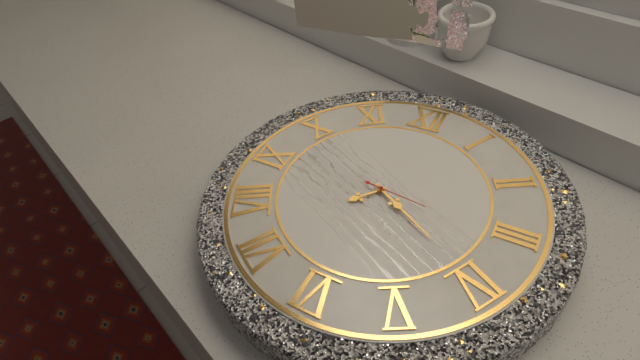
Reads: h=7 m=20 s=16
